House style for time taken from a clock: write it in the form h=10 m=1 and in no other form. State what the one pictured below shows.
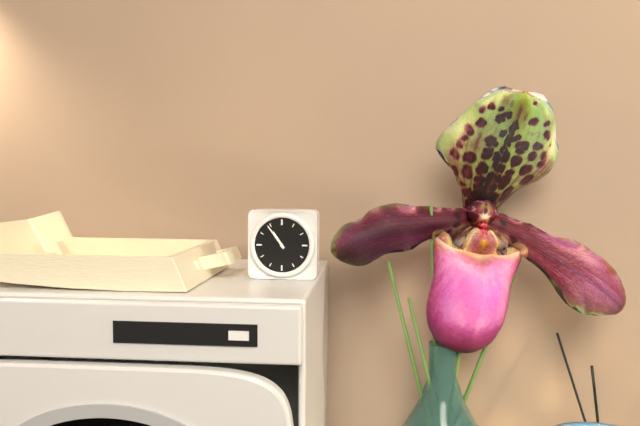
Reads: h=10 m=54
